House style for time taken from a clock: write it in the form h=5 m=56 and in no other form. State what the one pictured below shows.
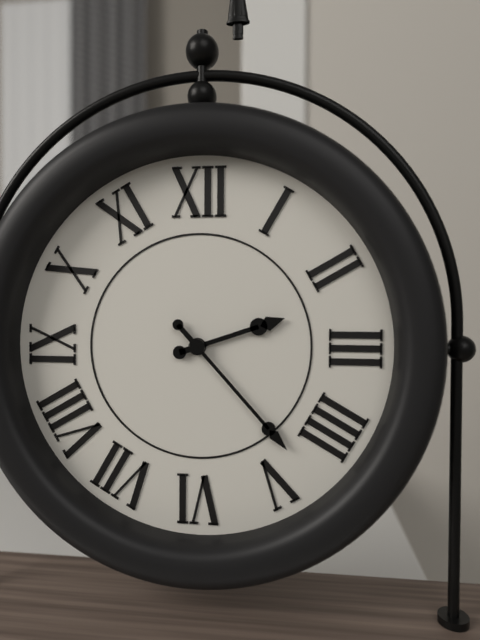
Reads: h=2 m=23
